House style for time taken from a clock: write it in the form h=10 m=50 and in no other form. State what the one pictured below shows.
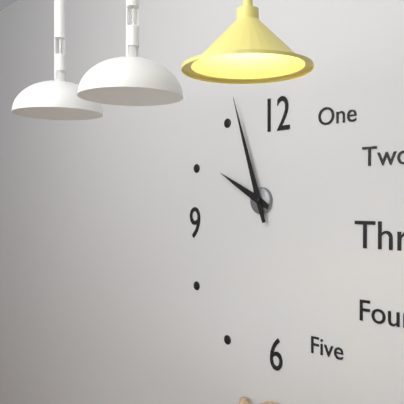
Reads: h=9 m=57
